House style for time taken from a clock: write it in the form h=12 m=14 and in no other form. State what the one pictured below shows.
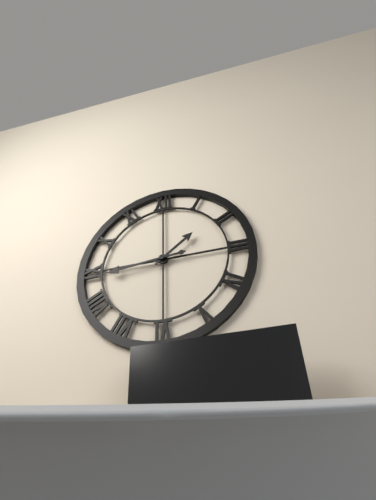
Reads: h=1 m=44
